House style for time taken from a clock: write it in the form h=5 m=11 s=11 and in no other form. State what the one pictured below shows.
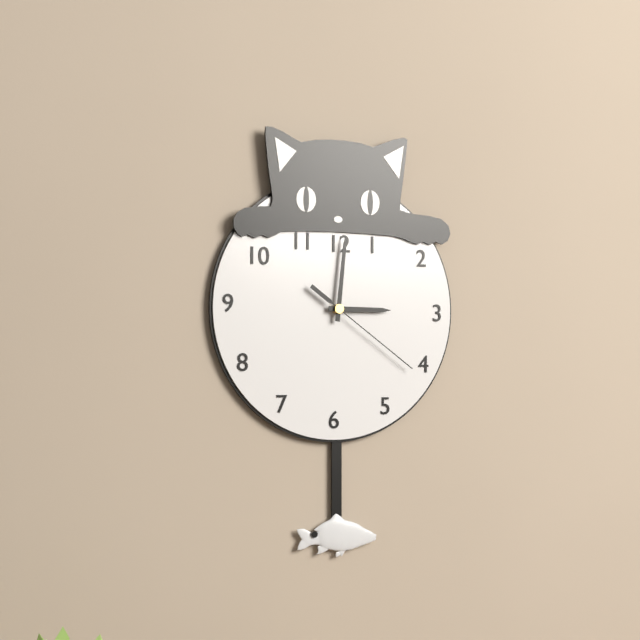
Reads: h=3 m=1 s=21
